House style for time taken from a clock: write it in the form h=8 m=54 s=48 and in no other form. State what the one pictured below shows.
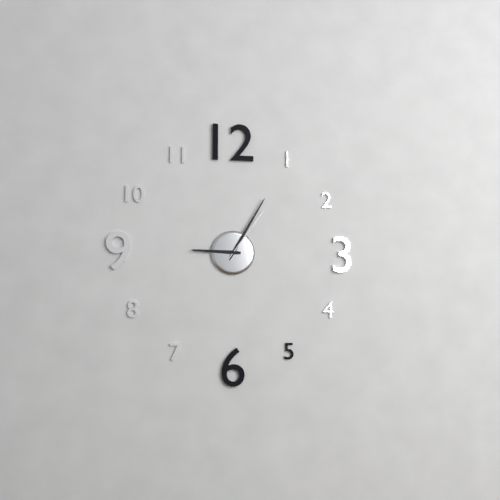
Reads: h=9 m=5 s=6
